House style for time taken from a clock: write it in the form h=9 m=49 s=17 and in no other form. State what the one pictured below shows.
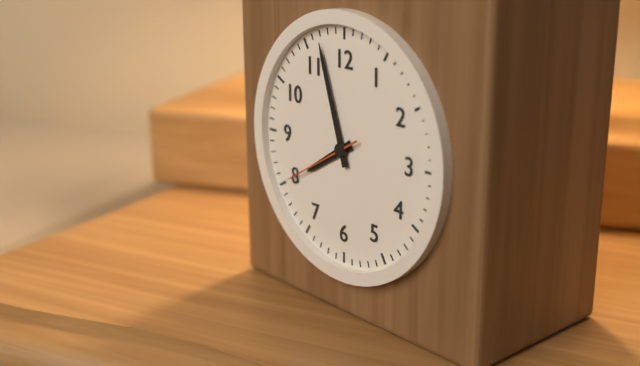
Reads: h=7 m=57 s=40
